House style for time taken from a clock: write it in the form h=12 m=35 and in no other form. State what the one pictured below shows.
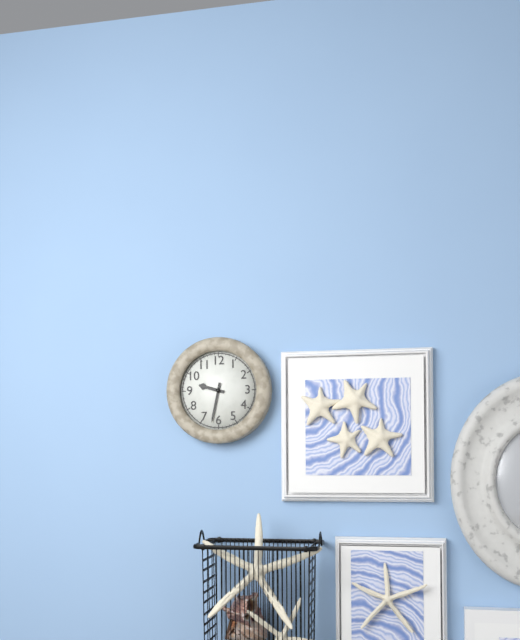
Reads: h=9 m=32
